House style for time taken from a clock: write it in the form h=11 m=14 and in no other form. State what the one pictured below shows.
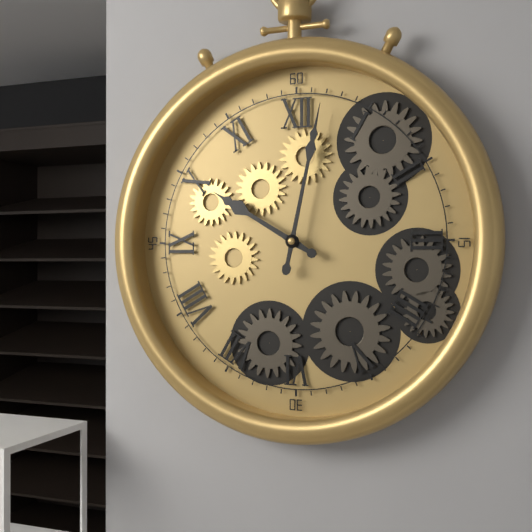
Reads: h=10 m=2
